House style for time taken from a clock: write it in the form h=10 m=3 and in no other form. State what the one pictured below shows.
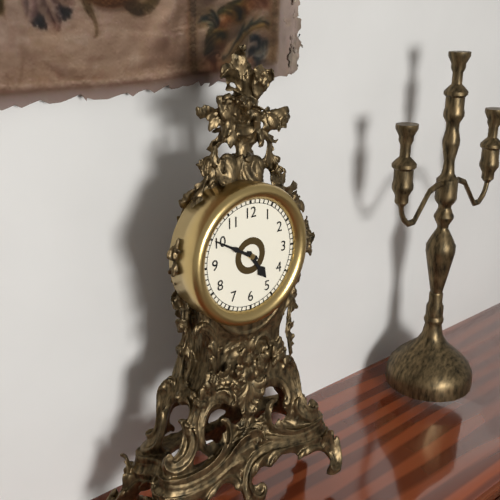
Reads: h=4 m=50
